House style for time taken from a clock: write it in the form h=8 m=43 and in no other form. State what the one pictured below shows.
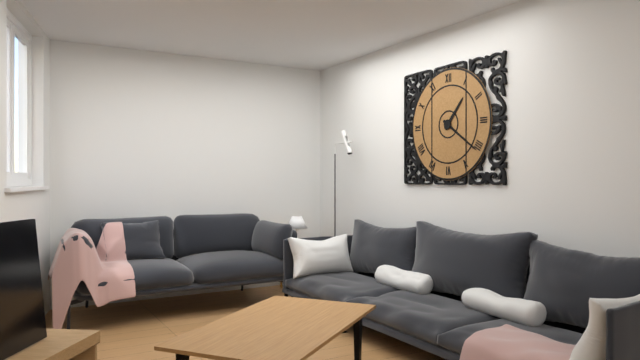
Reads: h=1 m=21
